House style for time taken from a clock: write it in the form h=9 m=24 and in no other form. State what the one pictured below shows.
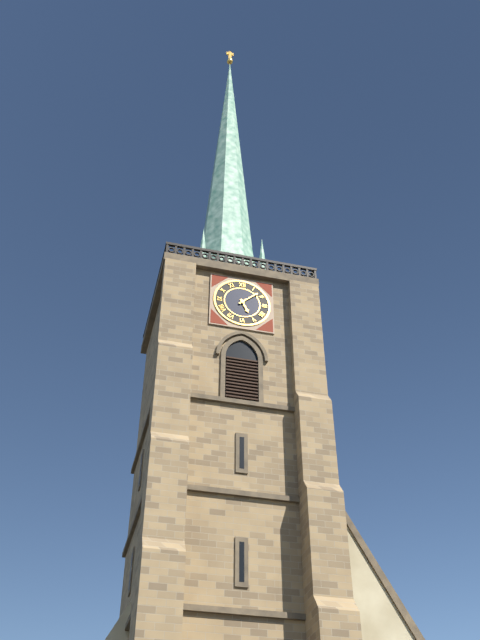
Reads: h=5 m=8
